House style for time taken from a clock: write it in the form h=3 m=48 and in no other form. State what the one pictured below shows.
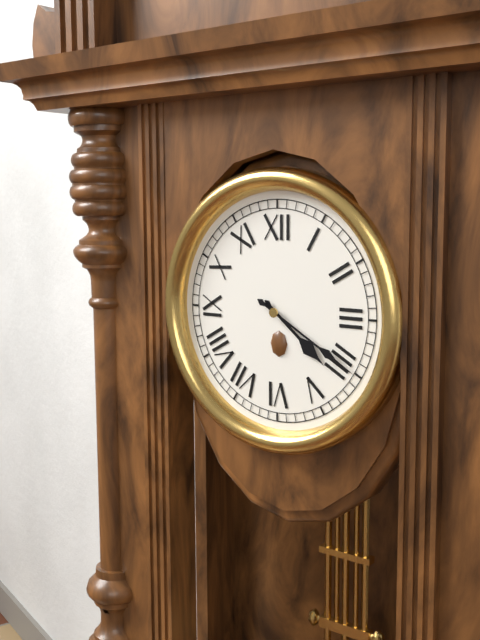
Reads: h=4 m=20
